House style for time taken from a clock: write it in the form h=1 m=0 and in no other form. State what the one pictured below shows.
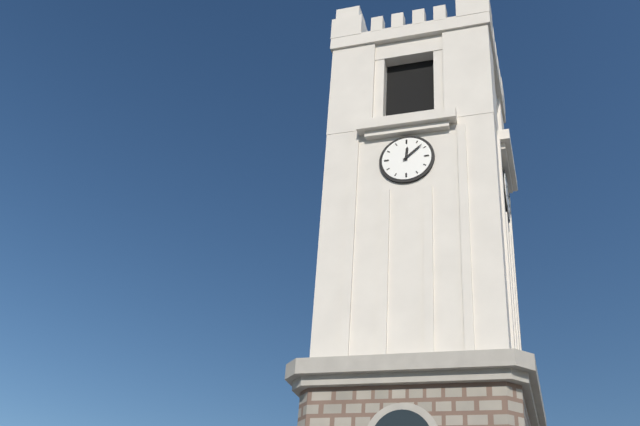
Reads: h=12 m=8
